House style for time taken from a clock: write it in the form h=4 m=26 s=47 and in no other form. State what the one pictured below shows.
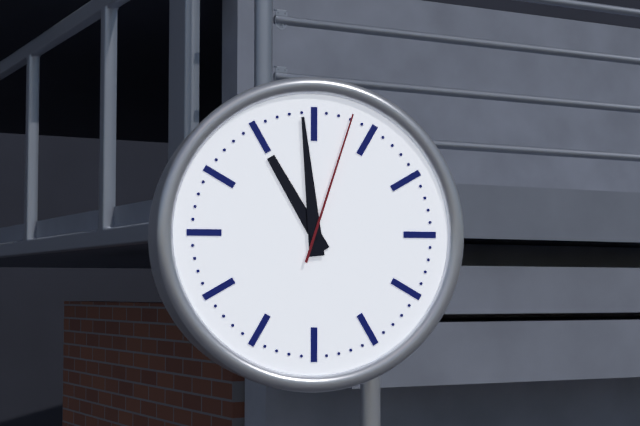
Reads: h=10 m=59 s=3
